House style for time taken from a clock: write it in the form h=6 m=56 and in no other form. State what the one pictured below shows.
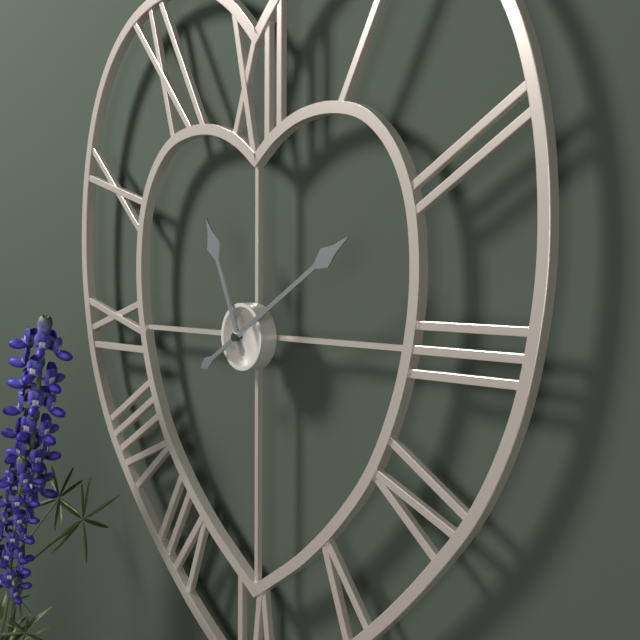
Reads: h=11 m=10
